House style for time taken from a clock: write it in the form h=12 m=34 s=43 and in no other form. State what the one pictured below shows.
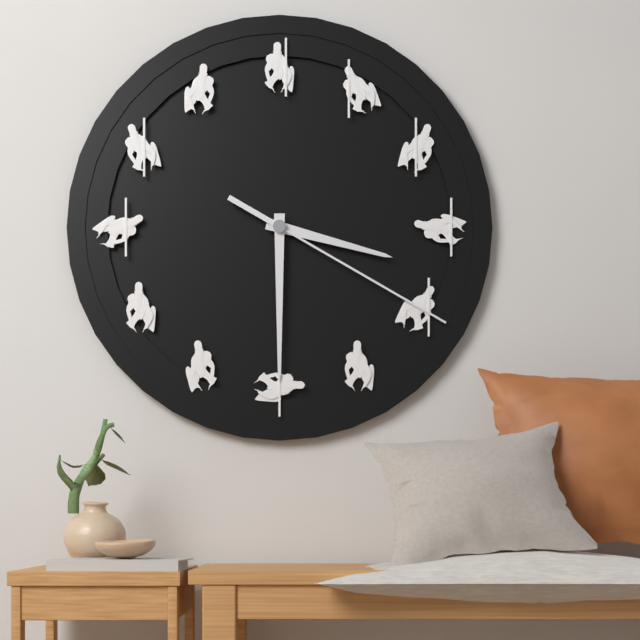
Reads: h=3 m=30 s=20
